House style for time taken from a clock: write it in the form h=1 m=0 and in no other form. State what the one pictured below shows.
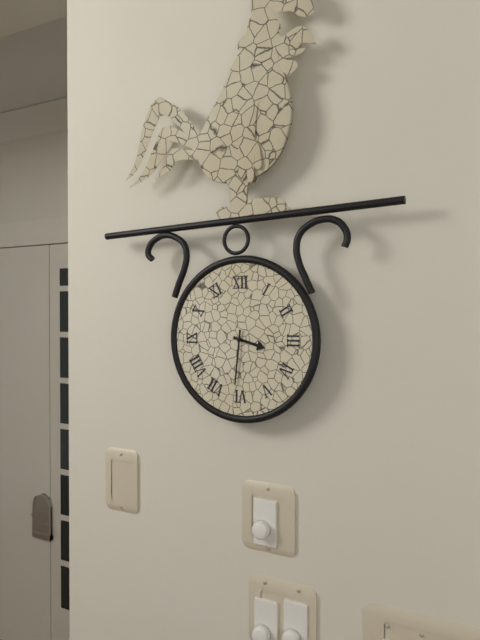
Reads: h=3 m=31
